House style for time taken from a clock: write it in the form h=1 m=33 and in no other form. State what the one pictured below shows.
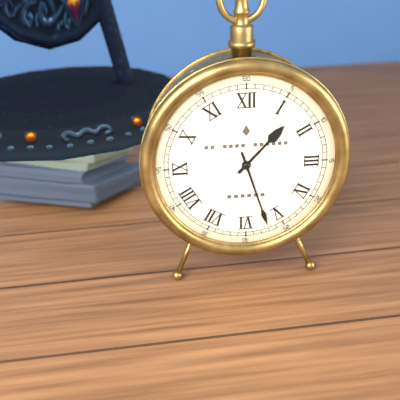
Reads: h=1 m=27
